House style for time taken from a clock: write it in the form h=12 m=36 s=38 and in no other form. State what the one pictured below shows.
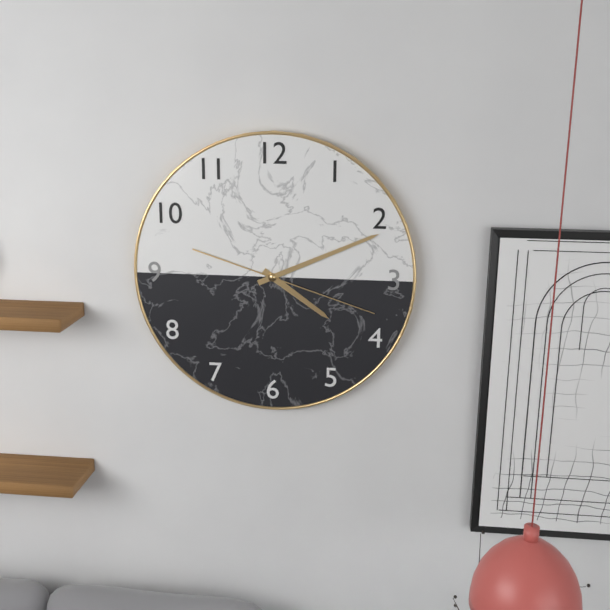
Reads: h=4 m=11 s=18
